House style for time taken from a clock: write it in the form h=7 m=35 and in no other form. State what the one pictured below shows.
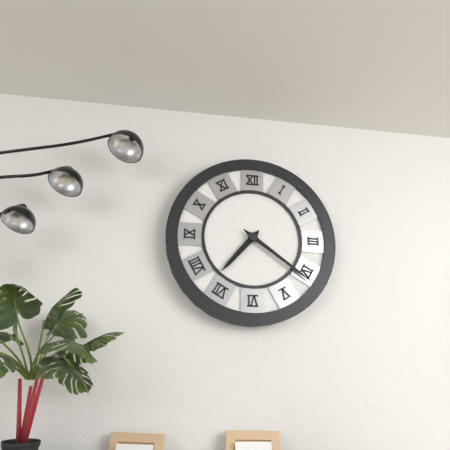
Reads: h=7 m=21
